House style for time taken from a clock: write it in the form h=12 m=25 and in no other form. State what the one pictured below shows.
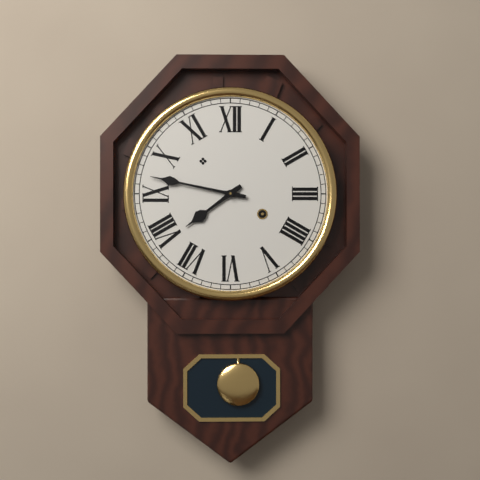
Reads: h=7 m=47
